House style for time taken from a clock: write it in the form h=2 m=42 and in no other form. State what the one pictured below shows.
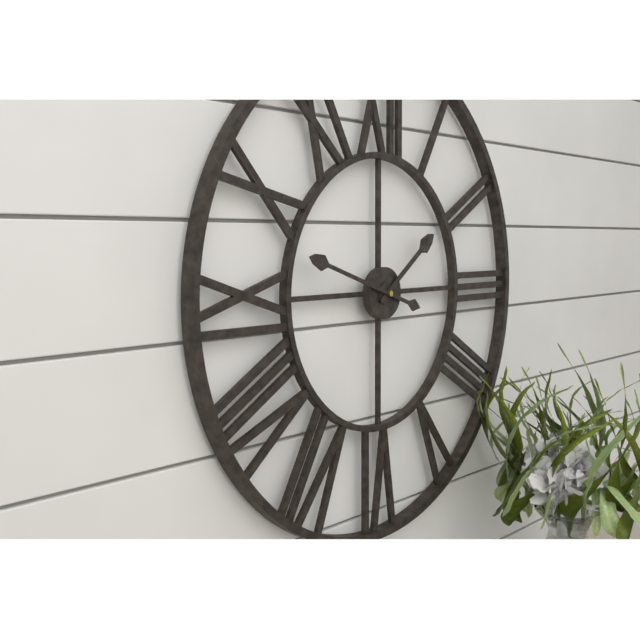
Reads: h=1 m=48
